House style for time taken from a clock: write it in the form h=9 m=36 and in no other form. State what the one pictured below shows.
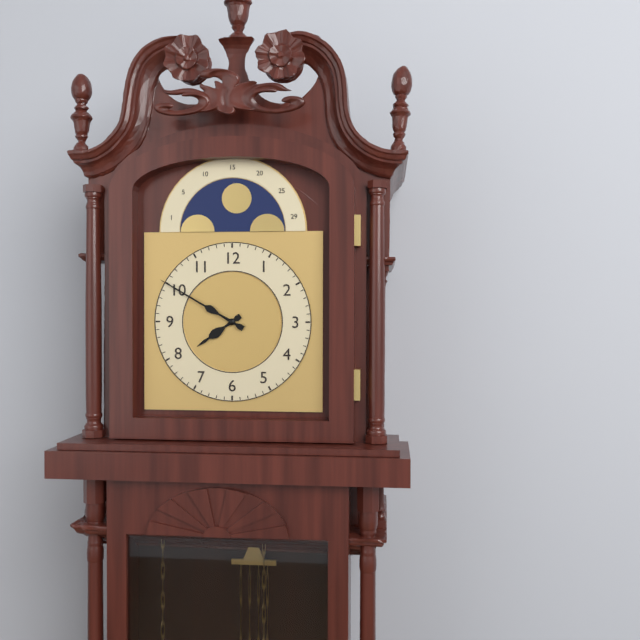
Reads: h=7 m=50
